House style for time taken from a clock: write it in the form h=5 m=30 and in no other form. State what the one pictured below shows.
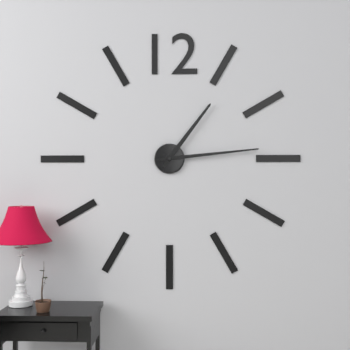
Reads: h=1 m=14
